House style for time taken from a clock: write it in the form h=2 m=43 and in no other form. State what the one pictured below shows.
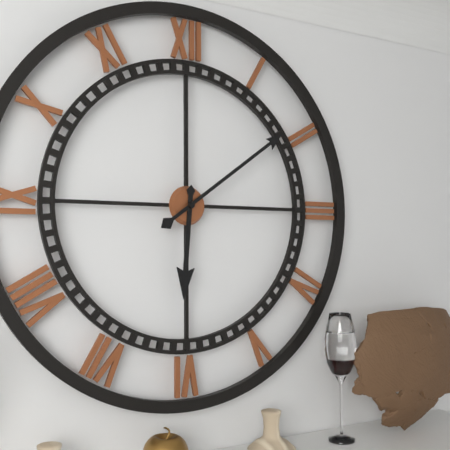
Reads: h=6 m=9
